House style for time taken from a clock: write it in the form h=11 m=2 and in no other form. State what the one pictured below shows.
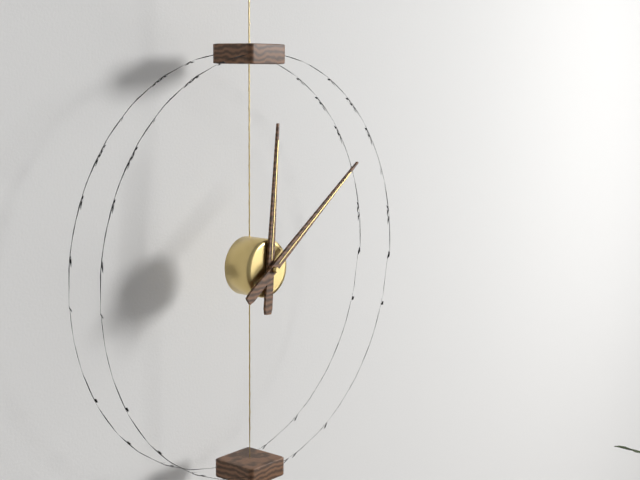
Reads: h=12 m=9
